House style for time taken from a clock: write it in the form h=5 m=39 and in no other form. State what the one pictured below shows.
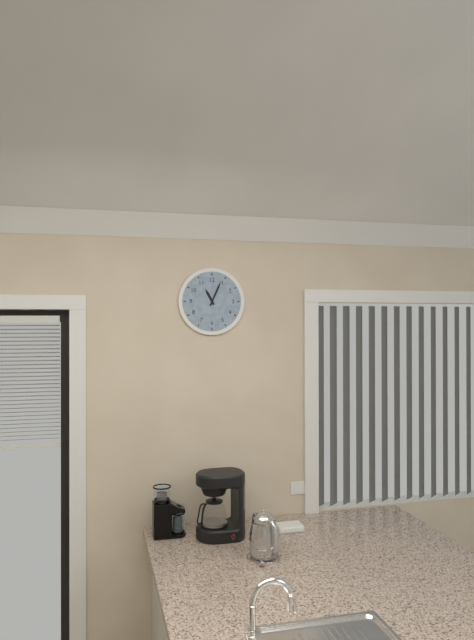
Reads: h=11 m=4
